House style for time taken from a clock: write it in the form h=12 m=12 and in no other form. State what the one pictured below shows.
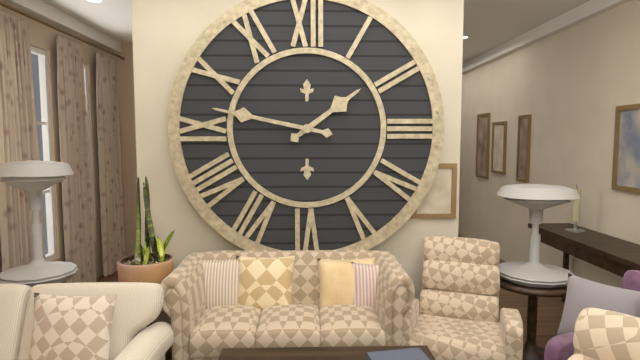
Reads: h=1 m=47
